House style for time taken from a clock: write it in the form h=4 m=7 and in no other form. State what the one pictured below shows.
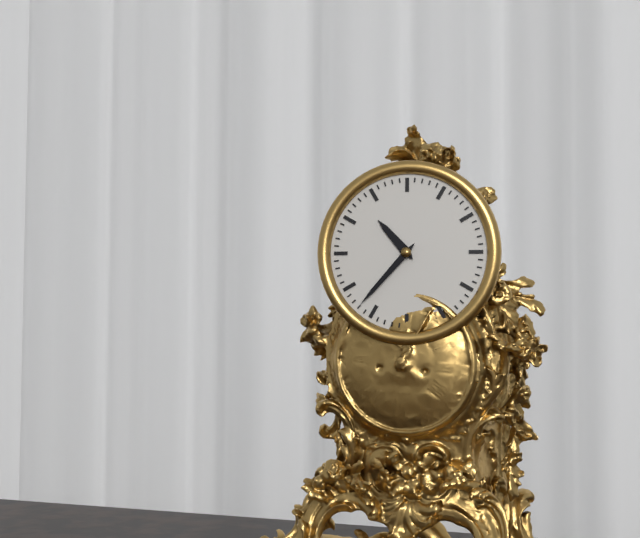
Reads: h=10 m=37
